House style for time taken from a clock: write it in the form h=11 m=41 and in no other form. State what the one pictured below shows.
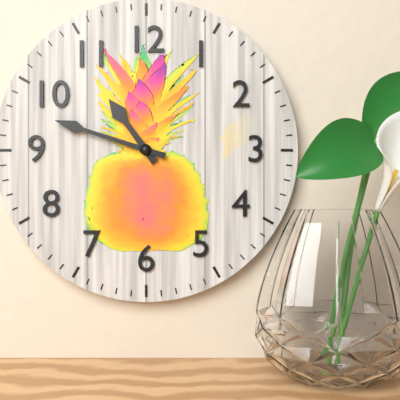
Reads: h=10 m=48
